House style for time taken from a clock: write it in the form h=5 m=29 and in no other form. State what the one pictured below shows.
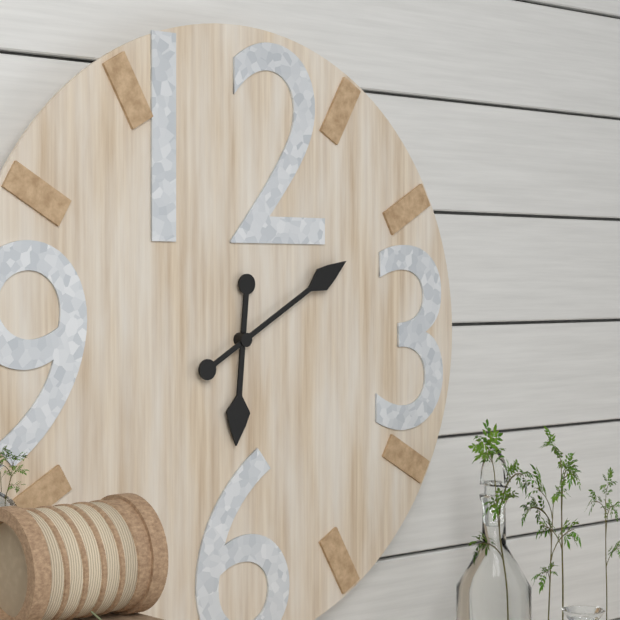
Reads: h=6 m=10
